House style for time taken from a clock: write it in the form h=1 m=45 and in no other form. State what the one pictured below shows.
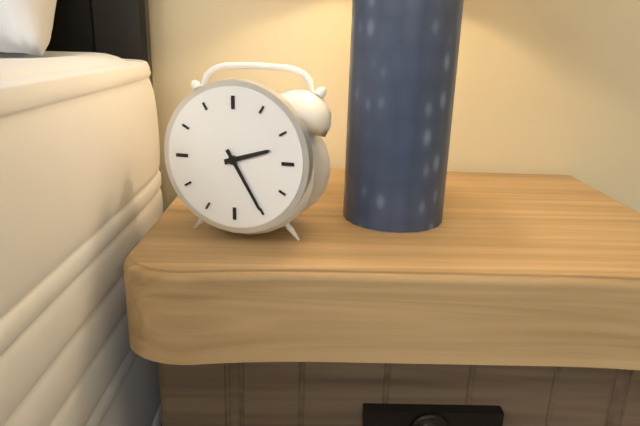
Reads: h=2 m=25
